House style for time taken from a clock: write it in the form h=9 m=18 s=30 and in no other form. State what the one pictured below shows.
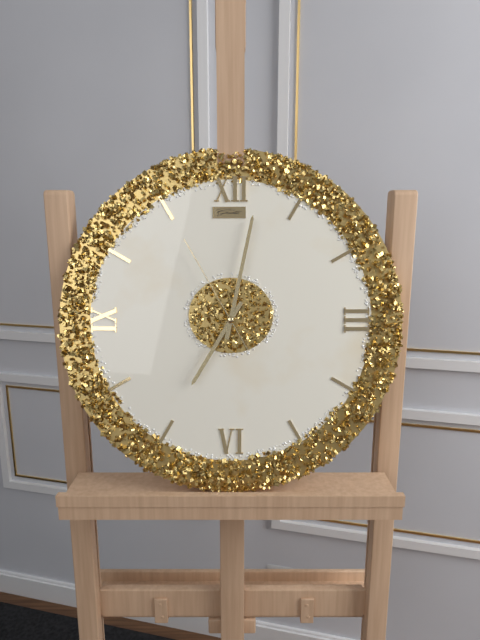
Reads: h=7 m=2 s=55
